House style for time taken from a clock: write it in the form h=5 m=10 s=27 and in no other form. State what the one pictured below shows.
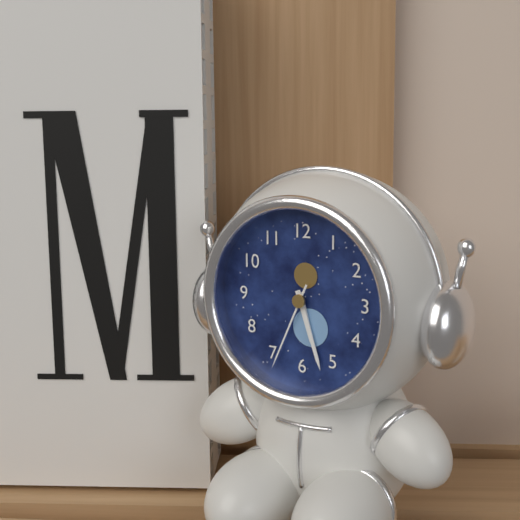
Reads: h=5 m=27 s=34
